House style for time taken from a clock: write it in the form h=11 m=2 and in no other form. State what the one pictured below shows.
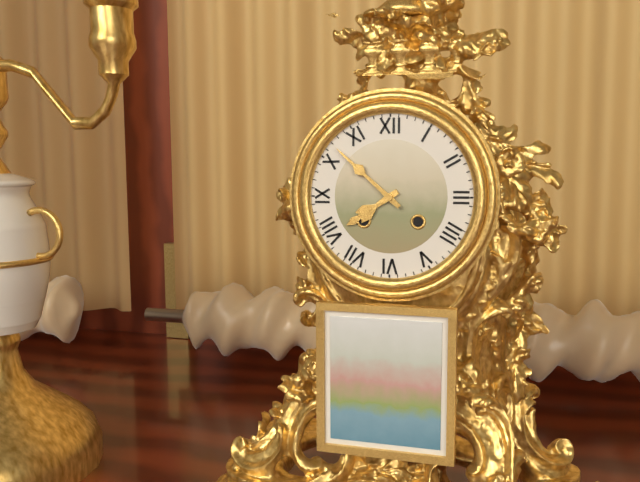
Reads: h=7 m=52
